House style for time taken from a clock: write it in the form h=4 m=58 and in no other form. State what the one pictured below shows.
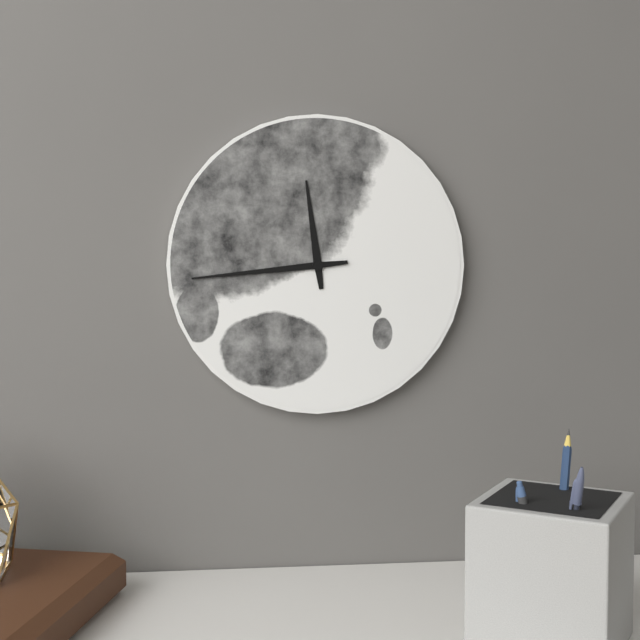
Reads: h=11 m=44
